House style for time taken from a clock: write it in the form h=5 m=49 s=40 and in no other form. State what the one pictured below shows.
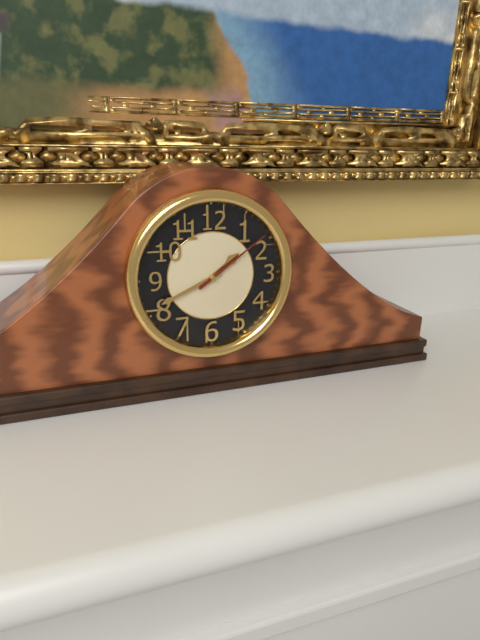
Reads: h=1 m=41 s=9
